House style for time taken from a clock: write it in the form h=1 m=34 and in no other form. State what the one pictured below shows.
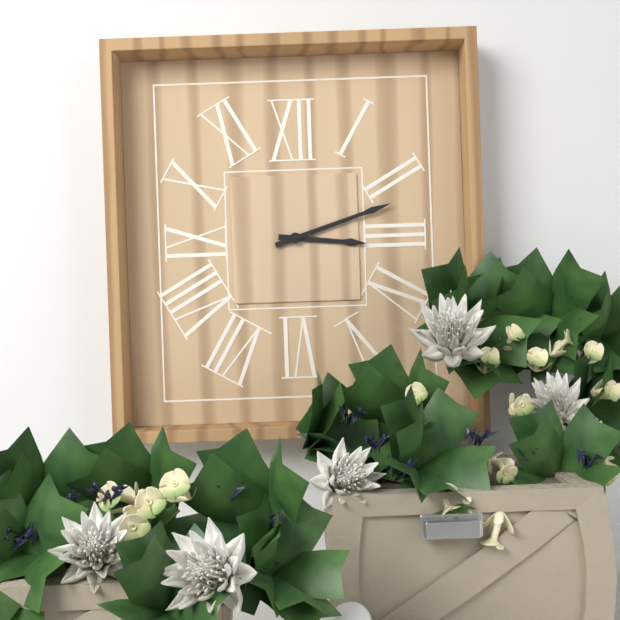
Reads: h=3 m=12
